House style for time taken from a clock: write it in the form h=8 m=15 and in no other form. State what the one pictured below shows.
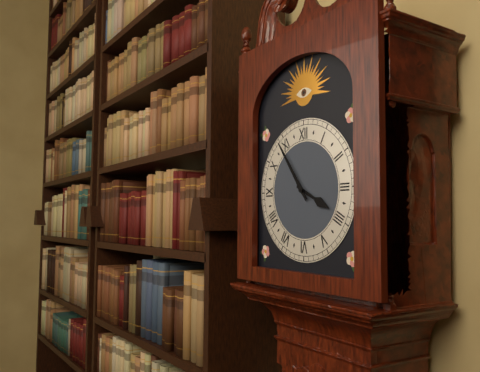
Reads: h=3 m=54
